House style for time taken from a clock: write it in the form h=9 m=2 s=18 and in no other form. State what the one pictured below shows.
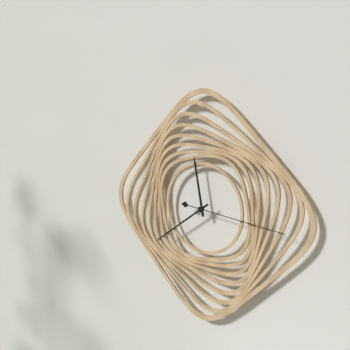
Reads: h=11 m=39 s=16
